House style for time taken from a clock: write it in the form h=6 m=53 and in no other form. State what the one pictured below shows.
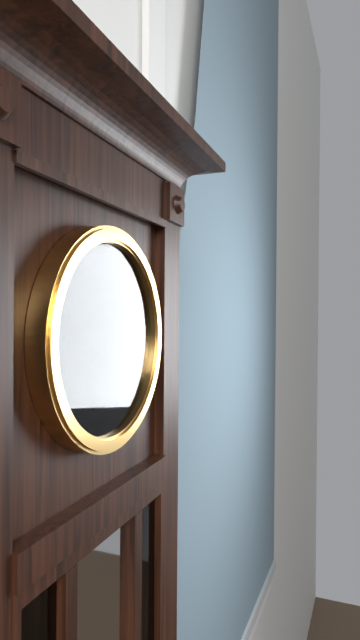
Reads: h=3 m=14
